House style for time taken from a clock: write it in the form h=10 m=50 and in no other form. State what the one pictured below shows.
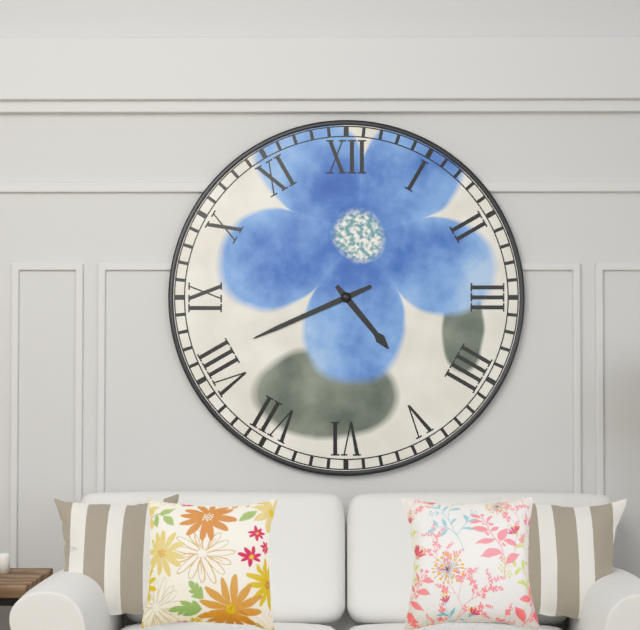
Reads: h=4 m=41
